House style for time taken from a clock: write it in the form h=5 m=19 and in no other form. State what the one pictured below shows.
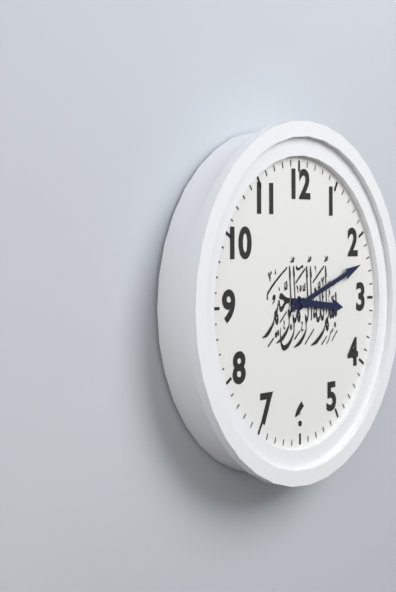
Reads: h=3 m=12
